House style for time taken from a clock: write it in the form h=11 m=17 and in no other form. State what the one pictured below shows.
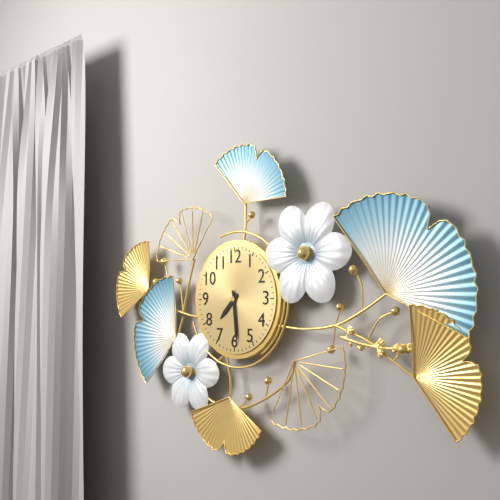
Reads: h=7 m=29
